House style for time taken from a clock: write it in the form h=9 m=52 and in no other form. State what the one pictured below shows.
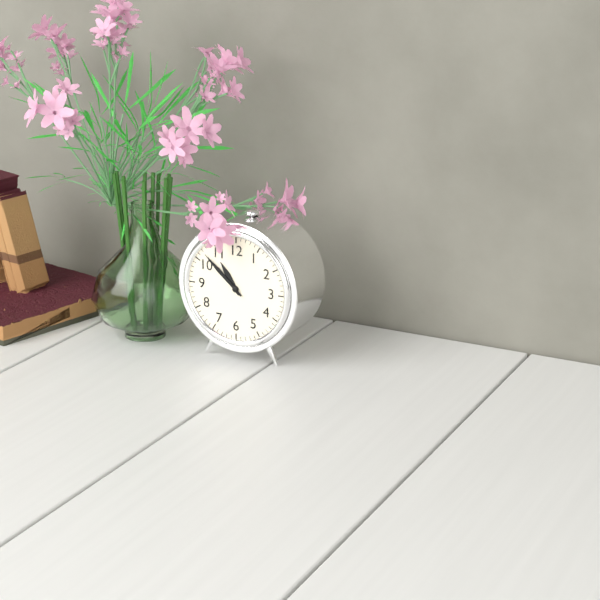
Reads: h=10 m=52
